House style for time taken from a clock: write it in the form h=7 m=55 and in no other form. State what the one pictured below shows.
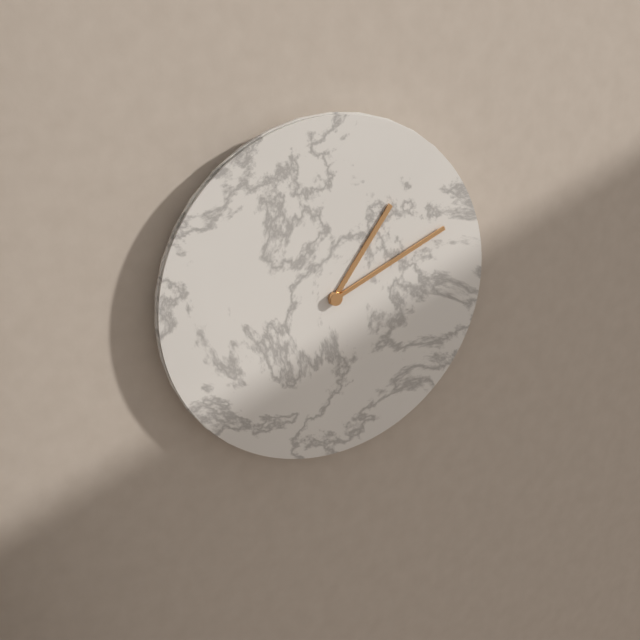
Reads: h=1 m=11
